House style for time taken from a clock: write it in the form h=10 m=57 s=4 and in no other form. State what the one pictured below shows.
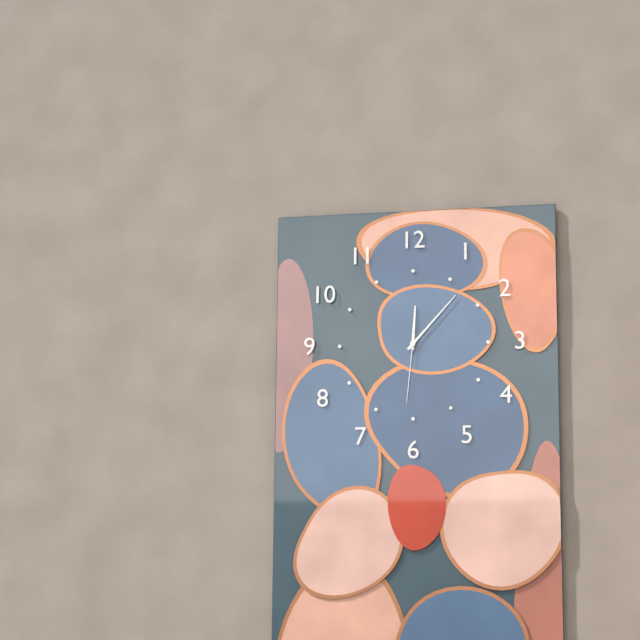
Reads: h=12 m=7 s=31
